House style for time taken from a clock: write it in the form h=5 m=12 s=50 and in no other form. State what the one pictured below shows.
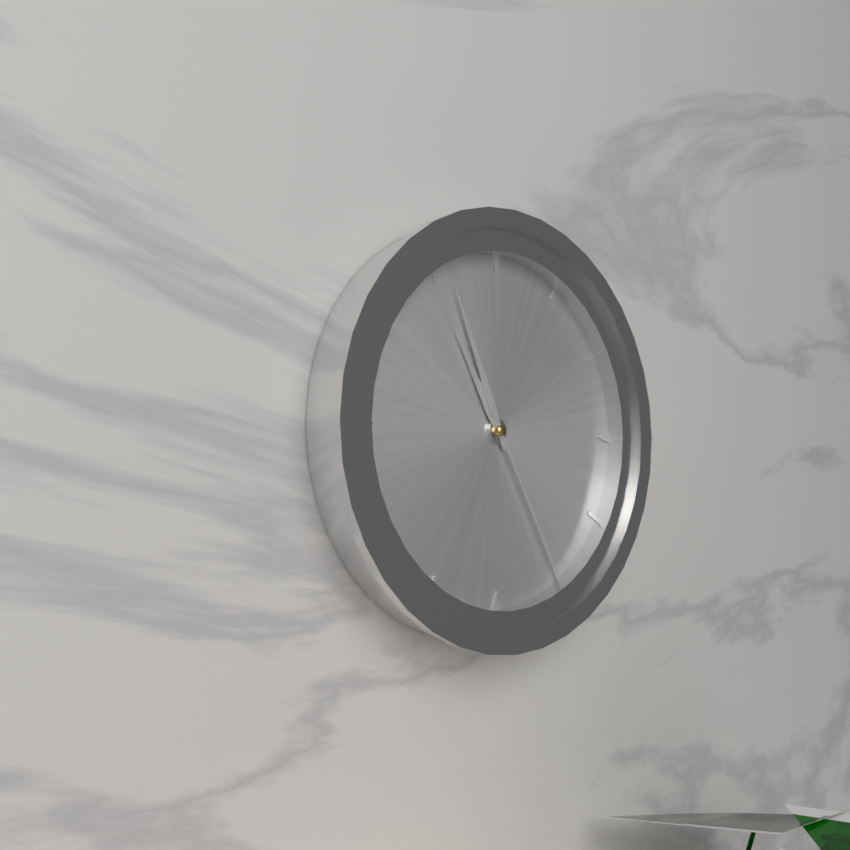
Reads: h=10 m=56 s=25
